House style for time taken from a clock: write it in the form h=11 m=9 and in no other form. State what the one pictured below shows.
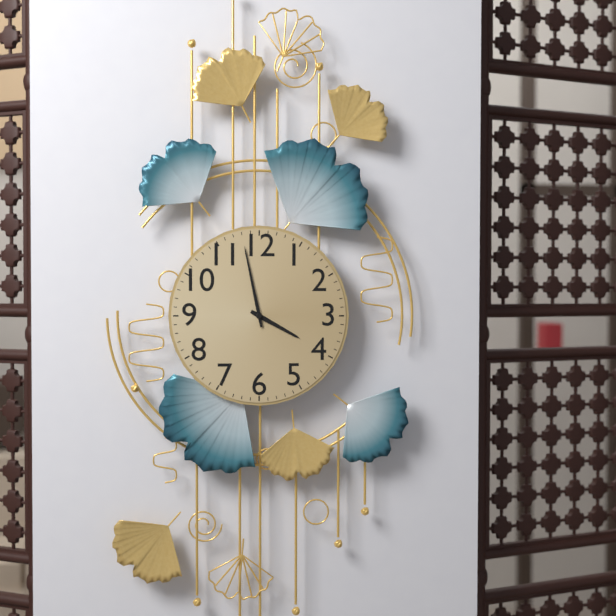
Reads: h=3 m=58
